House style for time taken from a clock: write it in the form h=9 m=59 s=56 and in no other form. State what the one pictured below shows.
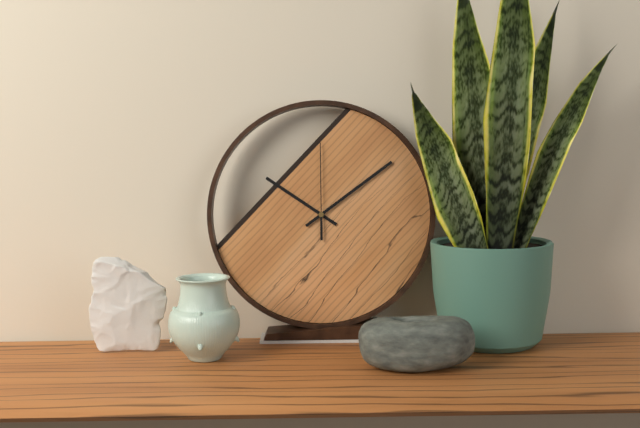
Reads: h=10 m=9 s=0
